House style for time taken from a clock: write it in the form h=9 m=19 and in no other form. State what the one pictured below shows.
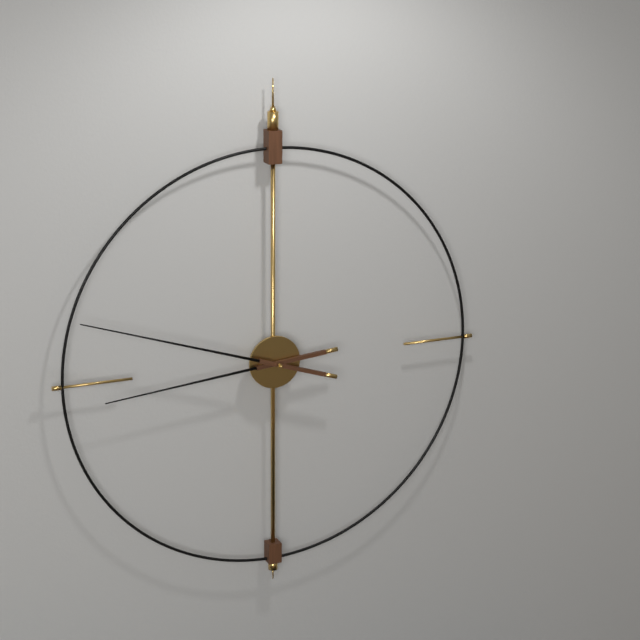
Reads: h=8 m=48
